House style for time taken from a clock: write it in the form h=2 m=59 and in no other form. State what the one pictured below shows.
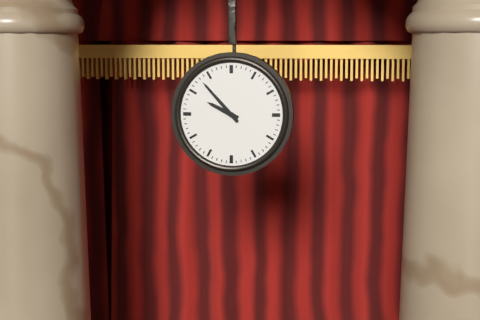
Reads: h=9 m=53
